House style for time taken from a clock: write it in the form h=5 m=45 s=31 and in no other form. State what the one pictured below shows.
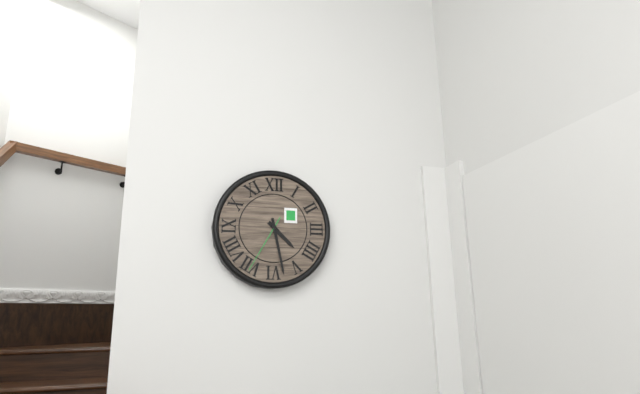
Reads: h=4 m=28 s=35
